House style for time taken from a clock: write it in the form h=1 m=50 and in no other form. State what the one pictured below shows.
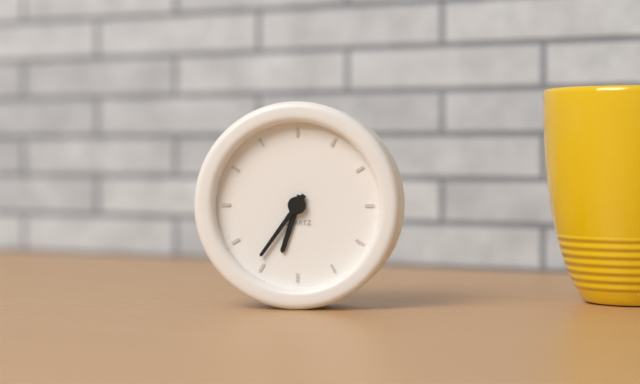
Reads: h=6 m=36
